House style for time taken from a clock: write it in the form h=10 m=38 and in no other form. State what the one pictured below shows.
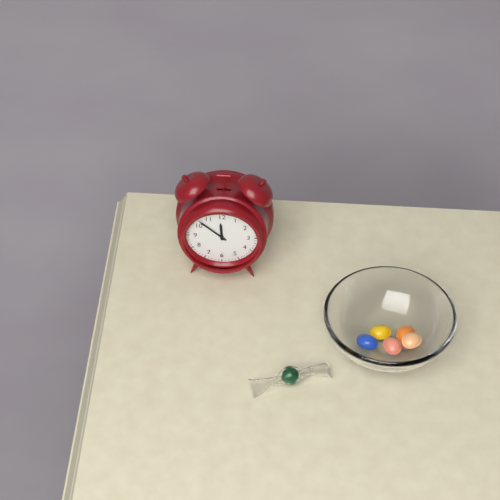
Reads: h=11 m=52
